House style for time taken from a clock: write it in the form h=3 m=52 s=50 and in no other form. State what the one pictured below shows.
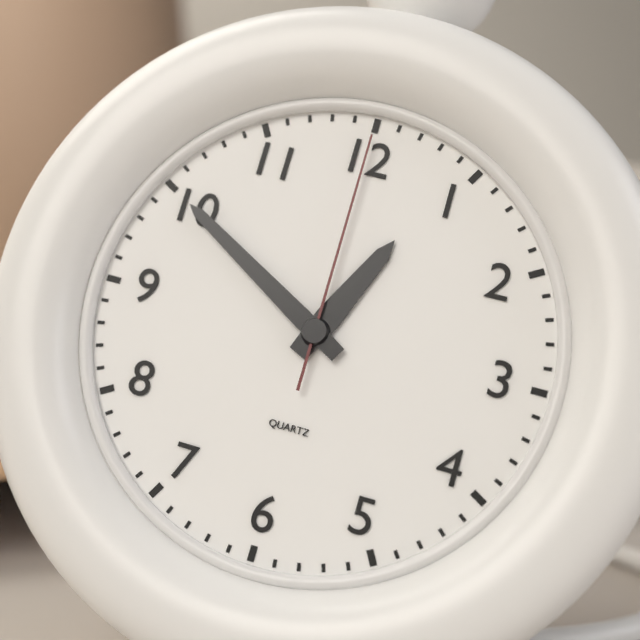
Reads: h=12 m=50 s=0
